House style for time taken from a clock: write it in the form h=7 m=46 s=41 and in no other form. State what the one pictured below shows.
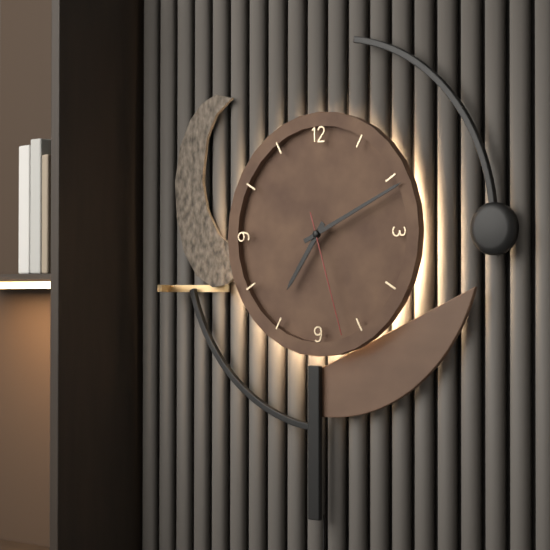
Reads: h=7 m=11 s=27
